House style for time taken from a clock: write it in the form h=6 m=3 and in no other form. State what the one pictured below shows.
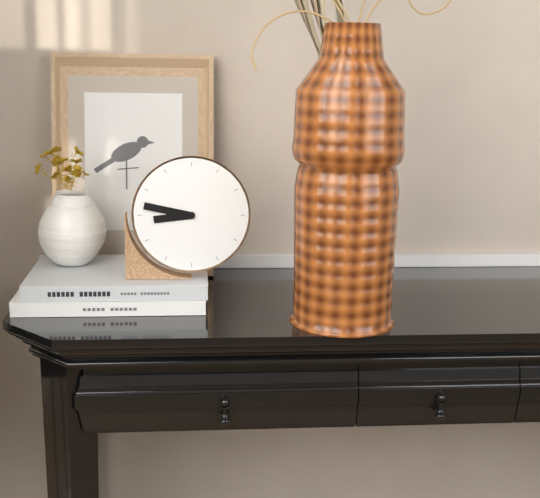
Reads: h=8 m=47
